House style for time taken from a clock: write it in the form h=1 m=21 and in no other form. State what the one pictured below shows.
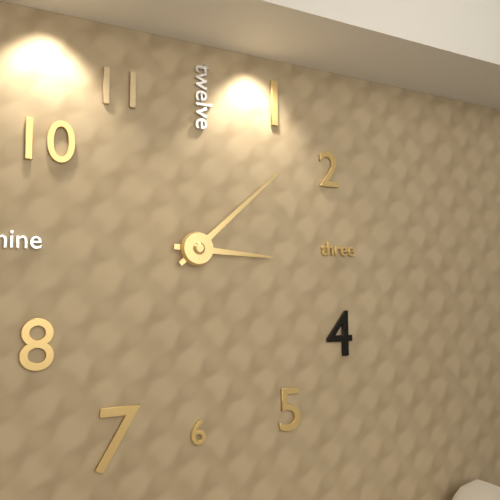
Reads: h=3 m=8
